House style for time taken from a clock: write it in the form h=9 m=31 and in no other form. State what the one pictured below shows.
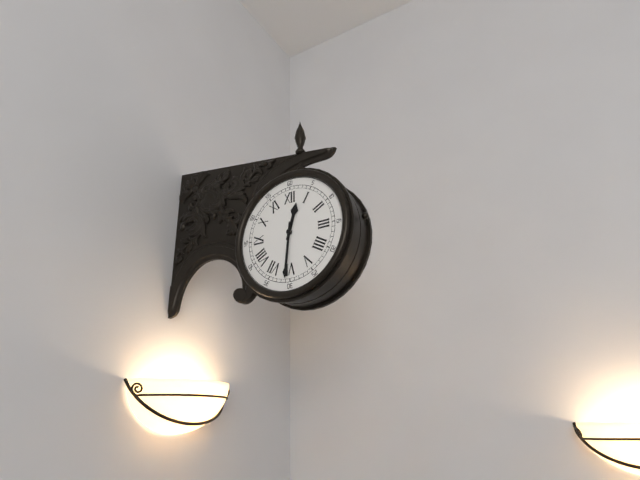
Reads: h=12 m=31
